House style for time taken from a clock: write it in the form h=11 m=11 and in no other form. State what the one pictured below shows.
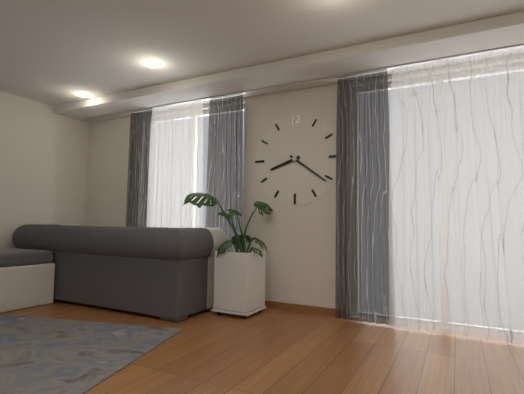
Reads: h=8 m=21
